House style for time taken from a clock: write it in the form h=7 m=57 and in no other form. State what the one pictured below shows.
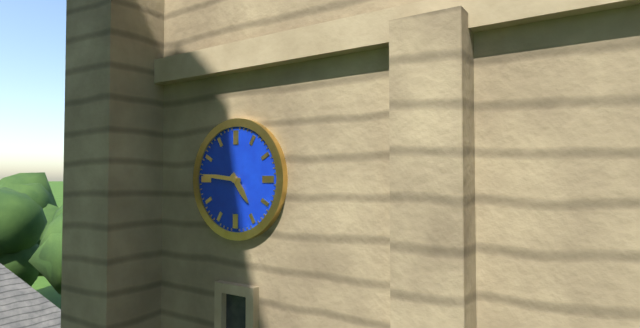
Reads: h=4 m=46
